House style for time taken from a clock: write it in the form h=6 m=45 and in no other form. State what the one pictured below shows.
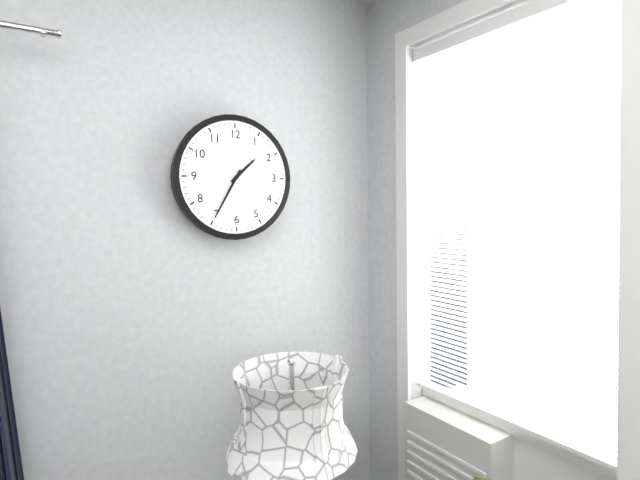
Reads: h=1 m=35
